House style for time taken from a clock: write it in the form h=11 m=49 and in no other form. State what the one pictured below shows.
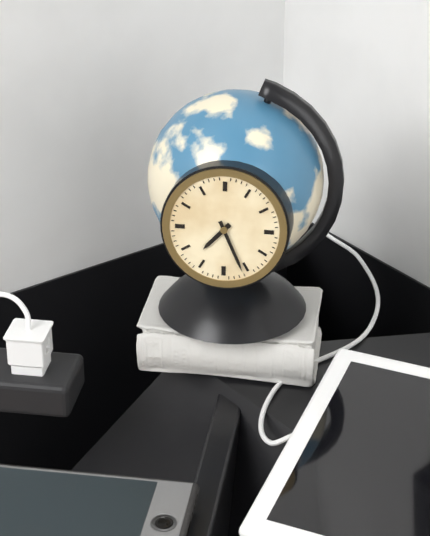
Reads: h=7 m=26
